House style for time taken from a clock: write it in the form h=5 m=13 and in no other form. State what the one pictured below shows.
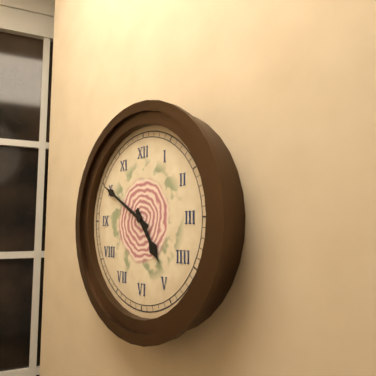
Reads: h=4 m=50
